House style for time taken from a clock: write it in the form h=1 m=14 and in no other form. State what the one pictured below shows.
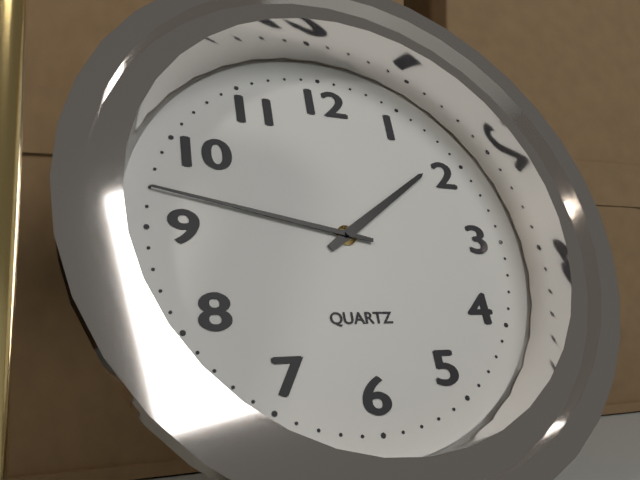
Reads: h=1 m=47
